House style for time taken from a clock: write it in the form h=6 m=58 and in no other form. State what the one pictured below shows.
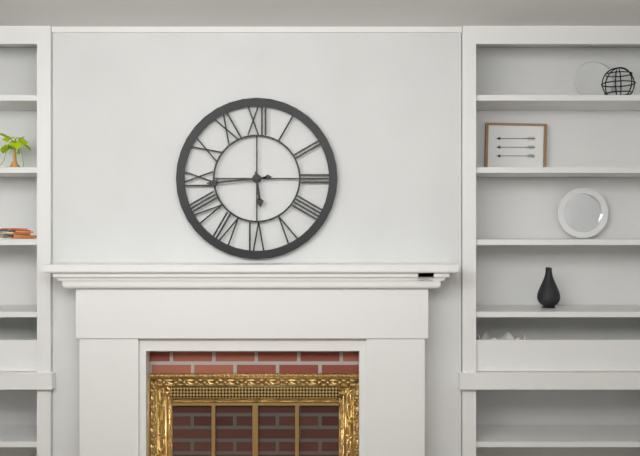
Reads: h=5 m=44
